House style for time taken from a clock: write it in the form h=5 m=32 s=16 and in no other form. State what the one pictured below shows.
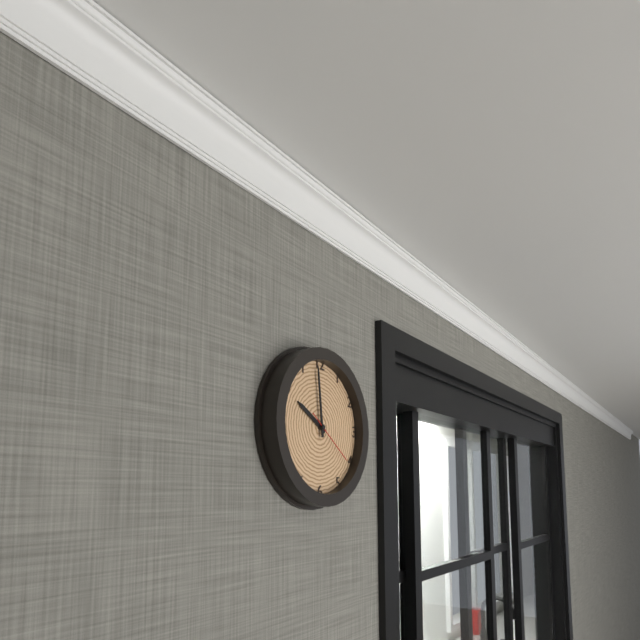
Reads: h=9 m=59 s=21
